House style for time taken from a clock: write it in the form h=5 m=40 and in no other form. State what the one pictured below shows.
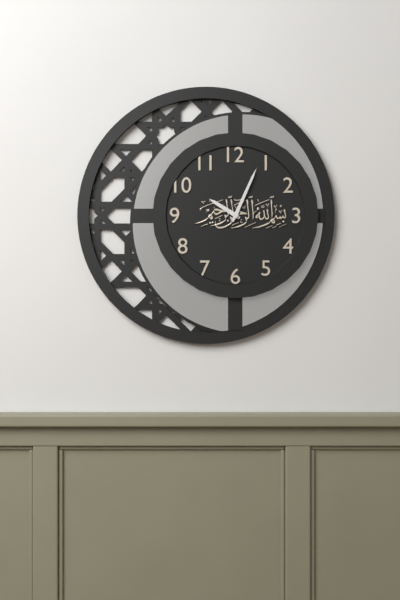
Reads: h=10 m=4
